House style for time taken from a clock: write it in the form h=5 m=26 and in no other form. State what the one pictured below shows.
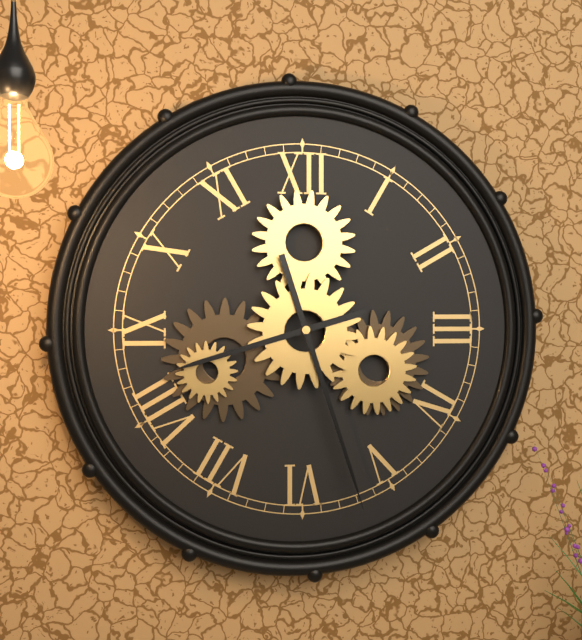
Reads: h=8 m=27
